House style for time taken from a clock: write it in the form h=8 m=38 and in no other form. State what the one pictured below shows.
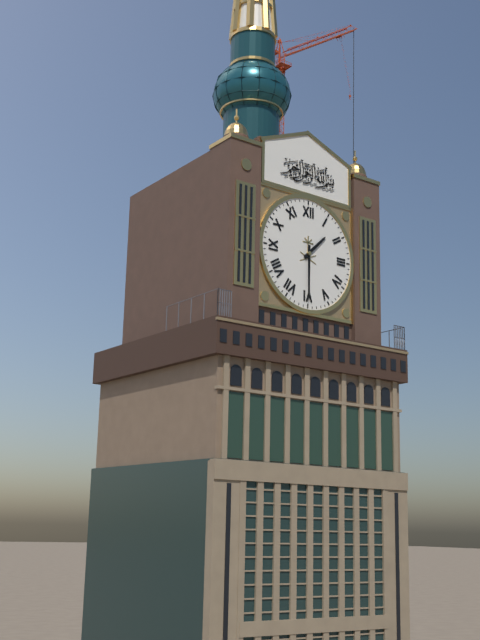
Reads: h=1 m=30
